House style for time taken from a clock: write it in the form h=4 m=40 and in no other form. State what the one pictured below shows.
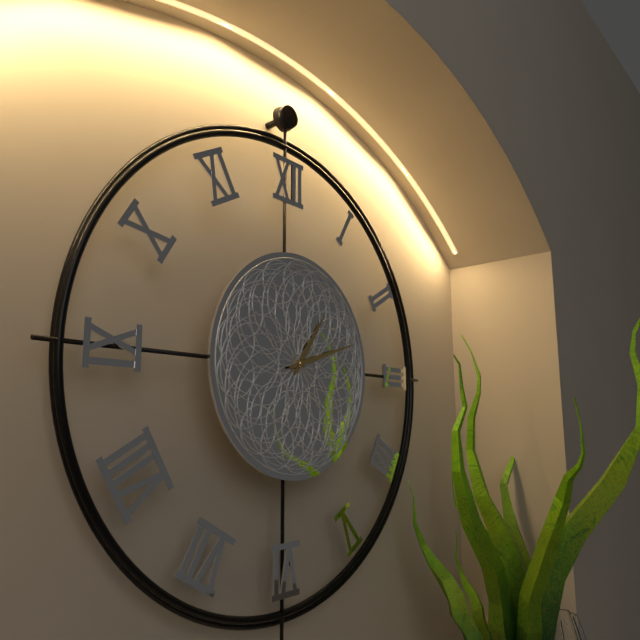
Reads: h=1 m=12
